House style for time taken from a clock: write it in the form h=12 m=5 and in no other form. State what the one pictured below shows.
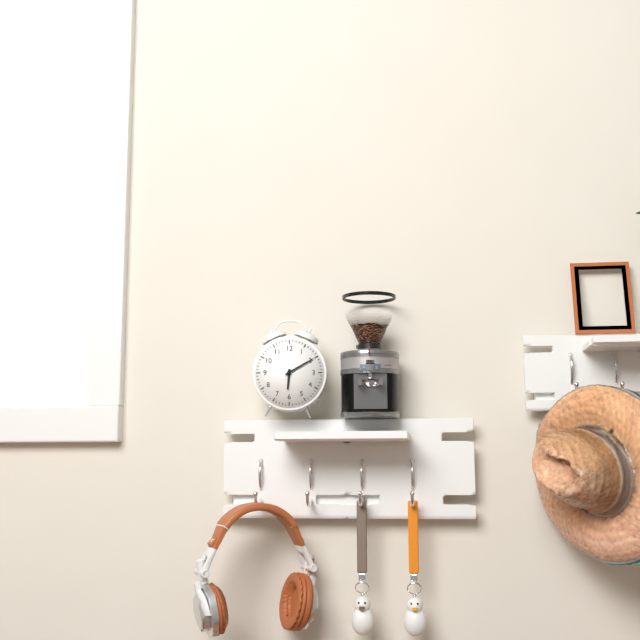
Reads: h=6 m=10
